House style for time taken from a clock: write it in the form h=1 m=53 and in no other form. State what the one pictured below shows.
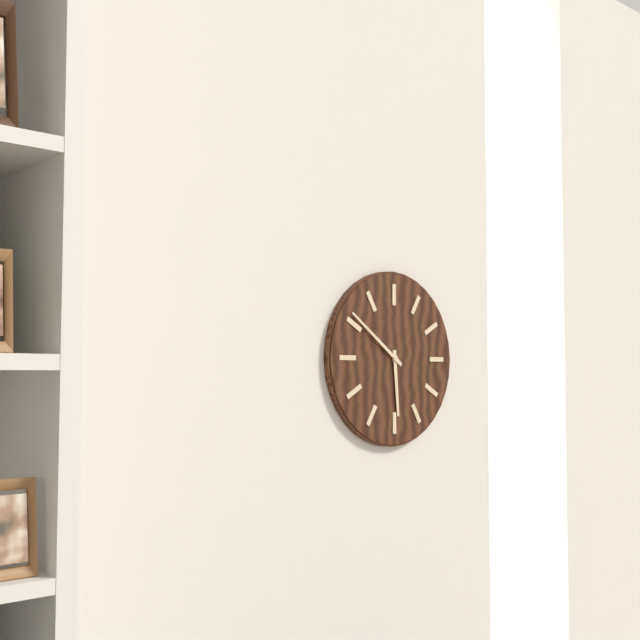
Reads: h=5 m=51
